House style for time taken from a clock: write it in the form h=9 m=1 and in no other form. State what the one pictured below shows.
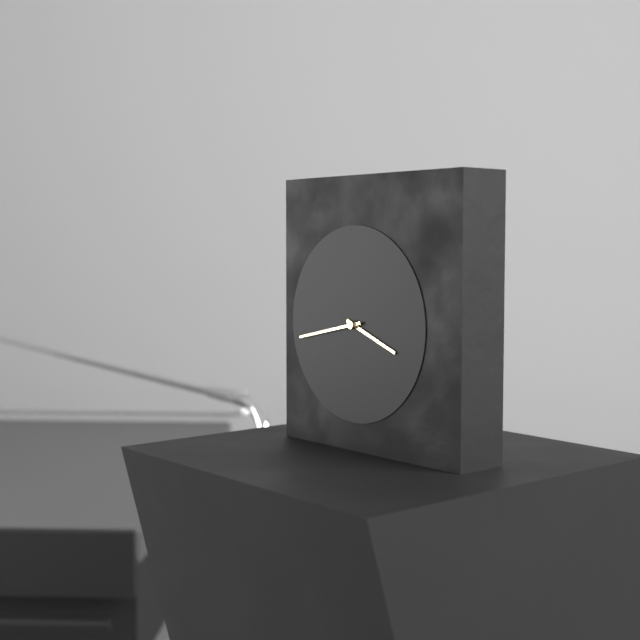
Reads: h=3 m=43
